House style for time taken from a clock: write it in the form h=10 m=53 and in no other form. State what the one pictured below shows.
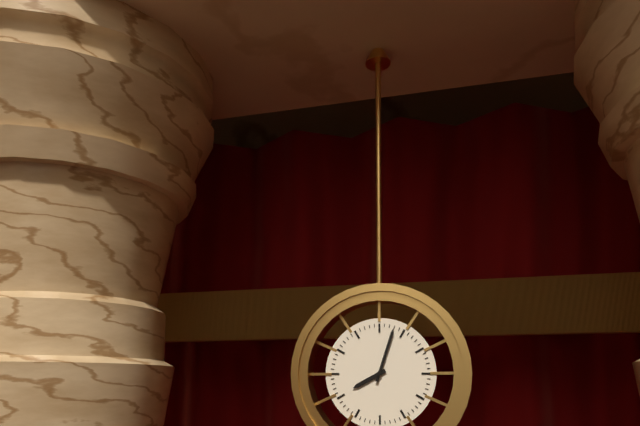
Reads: h=8 m=3
